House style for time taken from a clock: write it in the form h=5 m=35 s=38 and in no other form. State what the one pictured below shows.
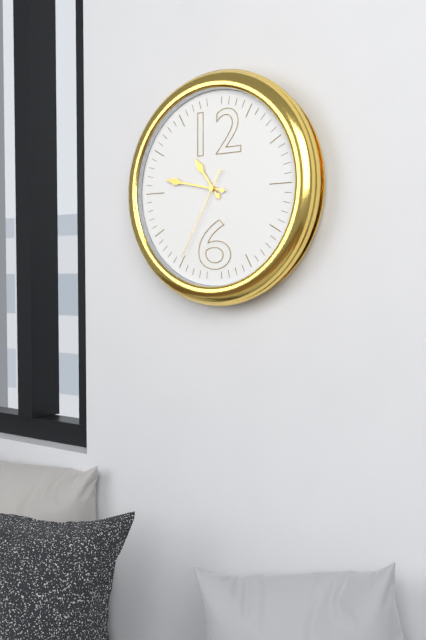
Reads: h=10 m=47 s=35
